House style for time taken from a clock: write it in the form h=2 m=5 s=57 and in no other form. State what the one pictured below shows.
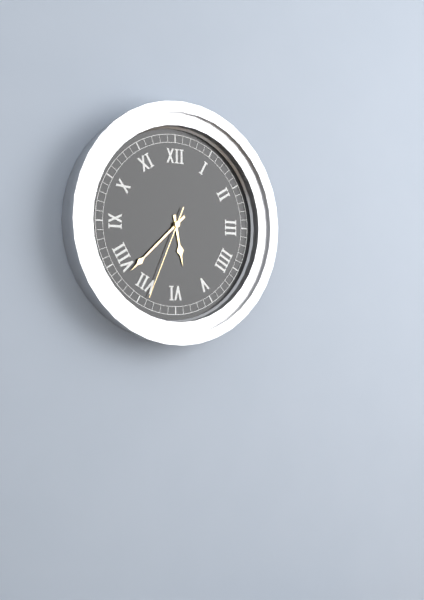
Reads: h=5 m=38 s=34
